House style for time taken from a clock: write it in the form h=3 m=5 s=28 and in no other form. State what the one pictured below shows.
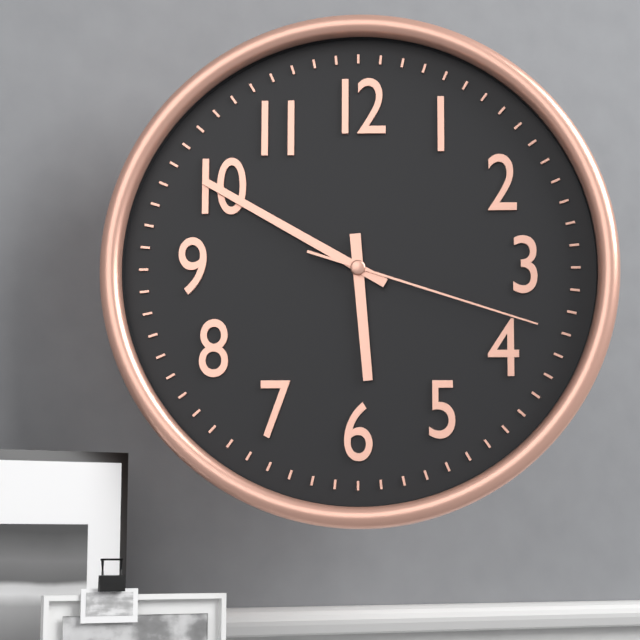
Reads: h=5 m=50 s=18
